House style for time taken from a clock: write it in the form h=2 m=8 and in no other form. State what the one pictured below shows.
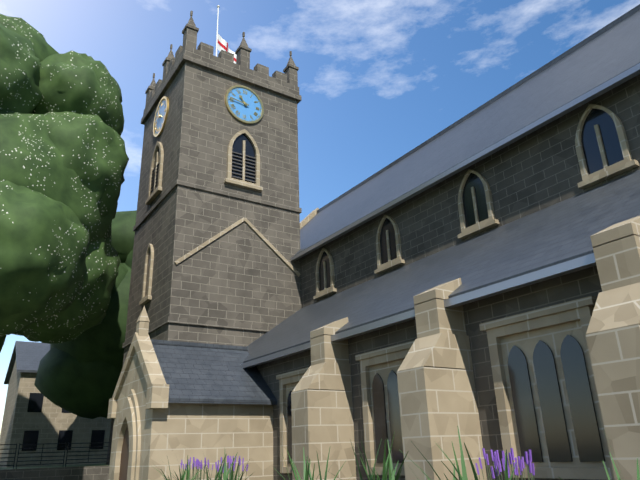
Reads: h=10 m=46
